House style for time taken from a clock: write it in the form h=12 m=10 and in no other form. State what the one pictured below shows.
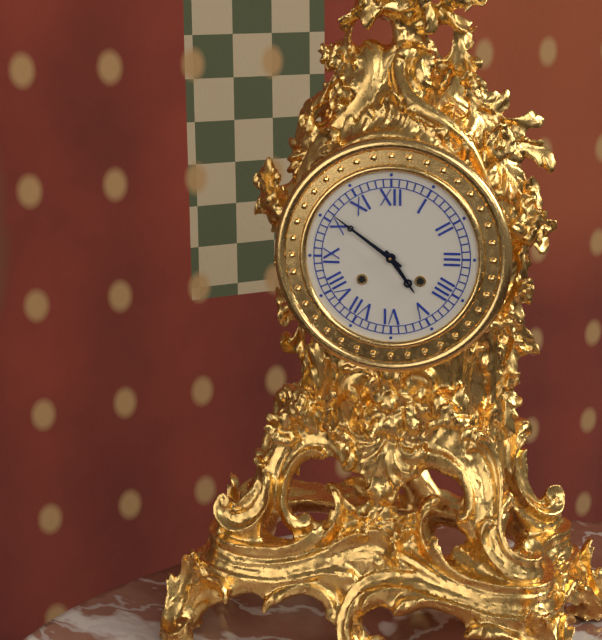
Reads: h=4 m=51
